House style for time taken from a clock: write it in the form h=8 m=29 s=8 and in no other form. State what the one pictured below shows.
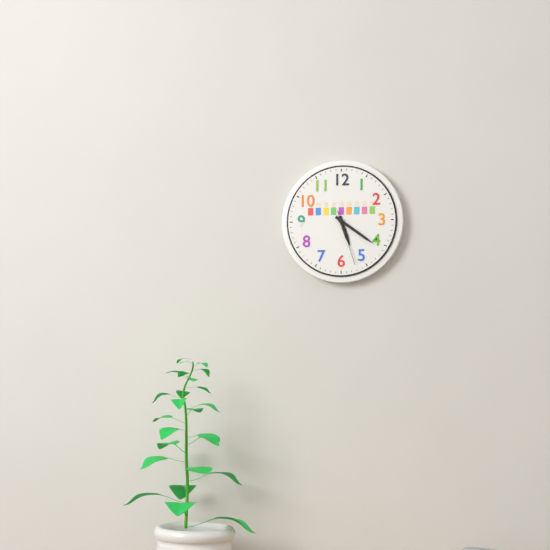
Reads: h=5 m=21 s=27
